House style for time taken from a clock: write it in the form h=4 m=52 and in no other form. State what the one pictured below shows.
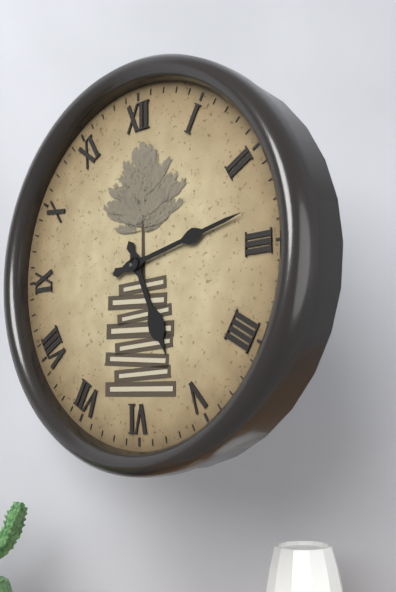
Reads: h=5 m=13
